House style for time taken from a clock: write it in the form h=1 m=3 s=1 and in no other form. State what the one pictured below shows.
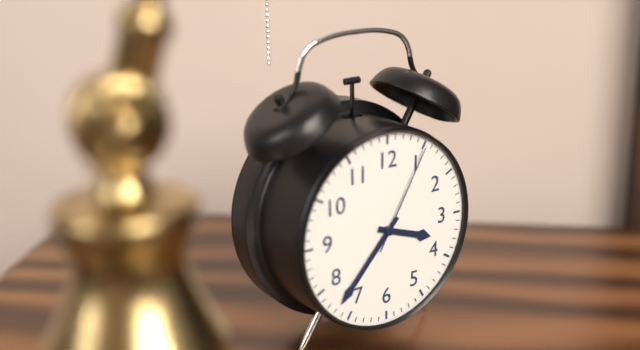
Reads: h=3 m=37 s=5
